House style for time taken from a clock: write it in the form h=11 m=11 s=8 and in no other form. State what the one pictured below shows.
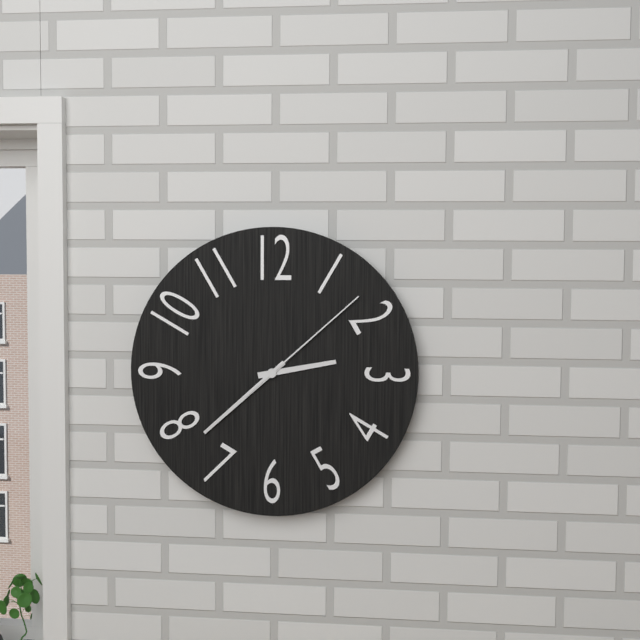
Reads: h=2 m=38 s=8
